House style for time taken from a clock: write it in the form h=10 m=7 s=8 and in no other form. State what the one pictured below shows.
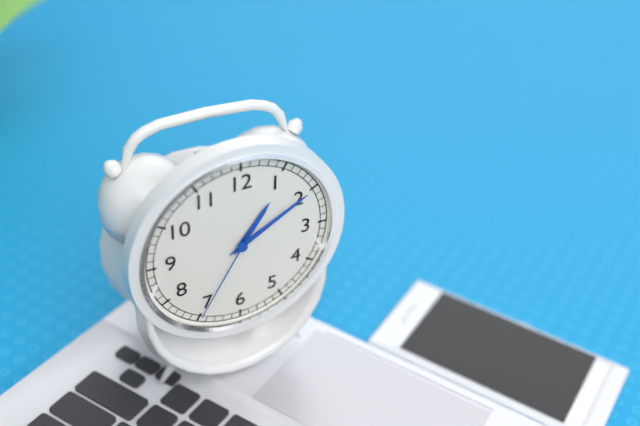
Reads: h=1 m=10 s=35
